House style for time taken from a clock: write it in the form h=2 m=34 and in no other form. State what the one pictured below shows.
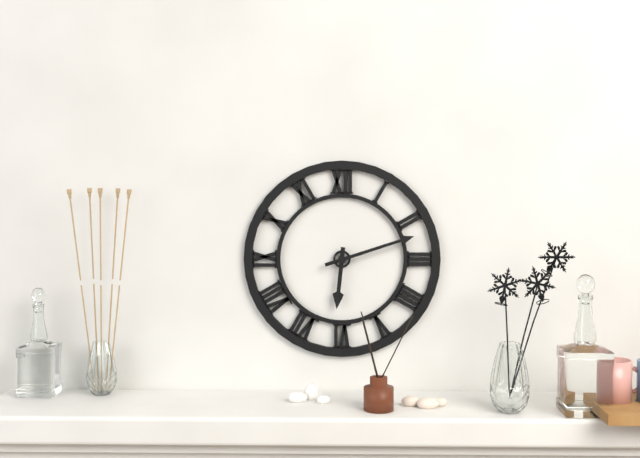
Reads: h=6 m=12
